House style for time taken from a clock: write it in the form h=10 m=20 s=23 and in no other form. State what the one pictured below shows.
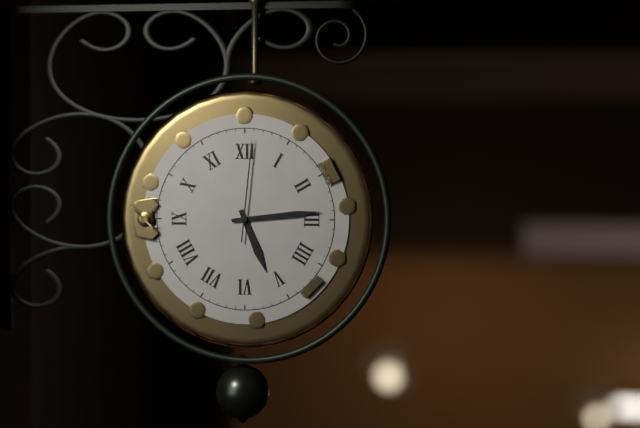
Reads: h=5 m=14 s=1
